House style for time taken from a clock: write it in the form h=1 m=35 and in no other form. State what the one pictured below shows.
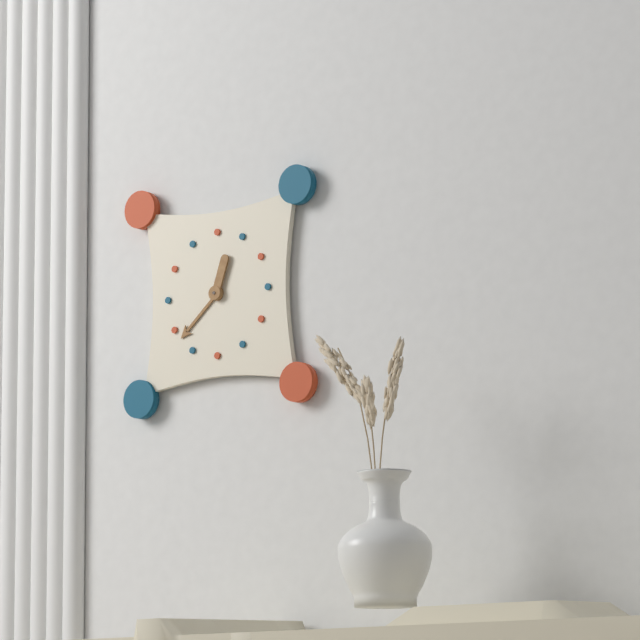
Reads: h=12 m=38
